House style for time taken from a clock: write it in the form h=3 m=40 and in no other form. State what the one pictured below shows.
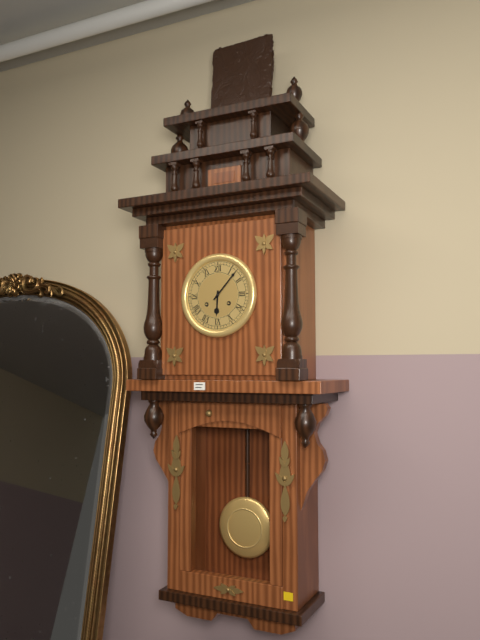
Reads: h=6 m=7
